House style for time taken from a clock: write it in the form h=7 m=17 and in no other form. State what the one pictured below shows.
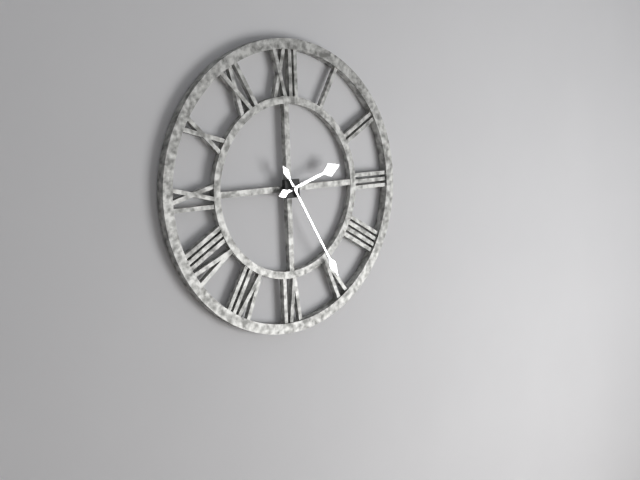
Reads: h=2 m=25
